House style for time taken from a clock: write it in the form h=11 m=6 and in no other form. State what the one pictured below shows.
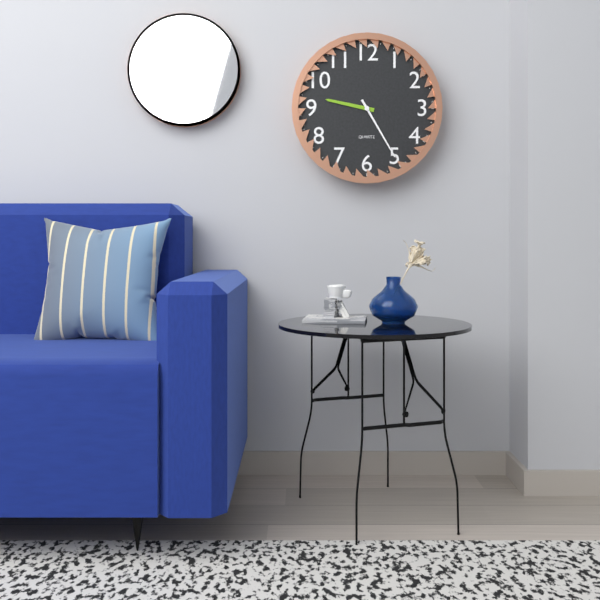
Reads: h=9 m=25
